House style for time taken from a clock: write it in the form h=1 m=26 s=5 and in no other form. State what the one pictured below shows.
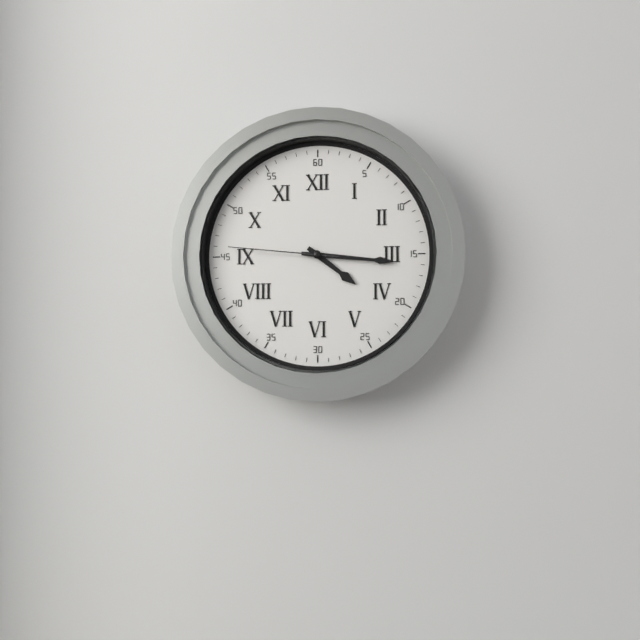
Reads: h=4 m=16 s=46
